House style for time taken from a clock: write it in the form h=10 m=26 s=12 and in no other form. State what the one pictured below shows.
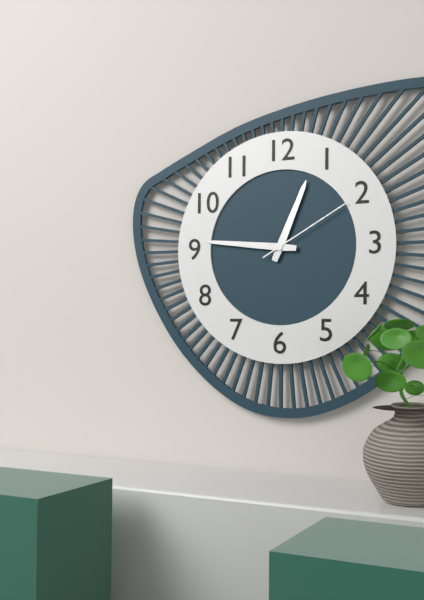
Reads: h=12 m=46 s=10
